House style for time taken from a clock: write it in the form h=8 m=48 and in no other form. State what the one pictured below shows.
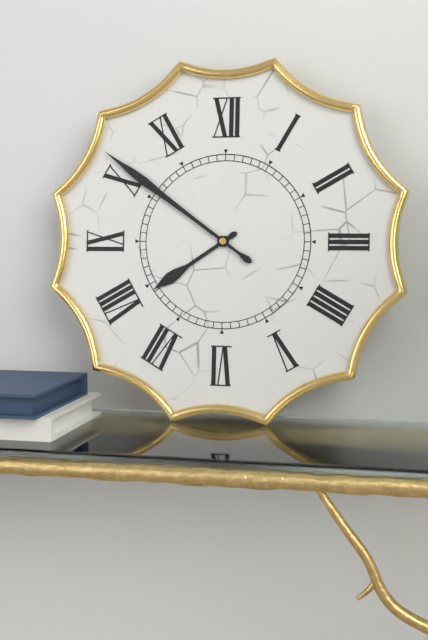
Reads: h=7 m=51
